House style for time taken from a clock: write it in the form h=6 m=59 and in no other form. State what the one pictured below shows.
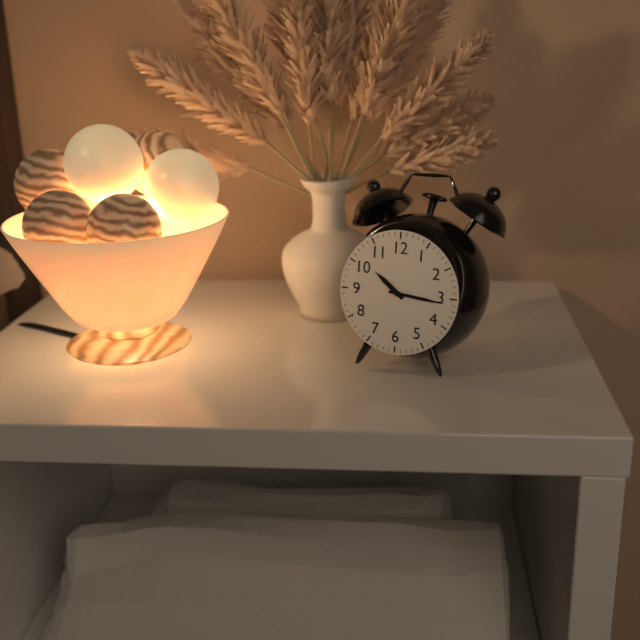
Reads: h=10 m=16
